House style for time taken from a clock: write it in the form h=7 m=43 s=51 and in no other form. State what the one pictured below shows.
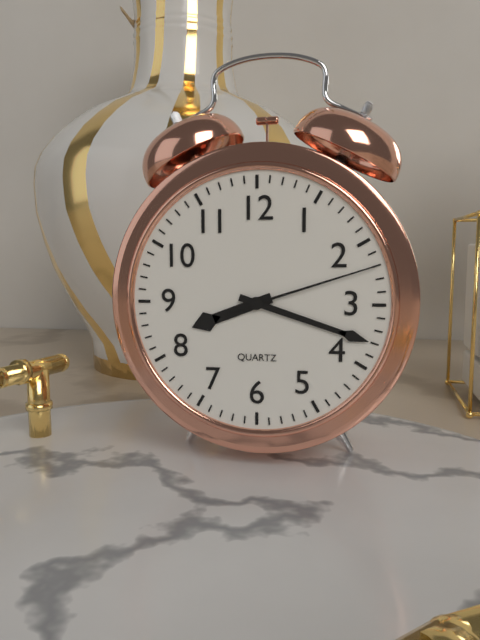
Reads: h=8 m=18 s=12
